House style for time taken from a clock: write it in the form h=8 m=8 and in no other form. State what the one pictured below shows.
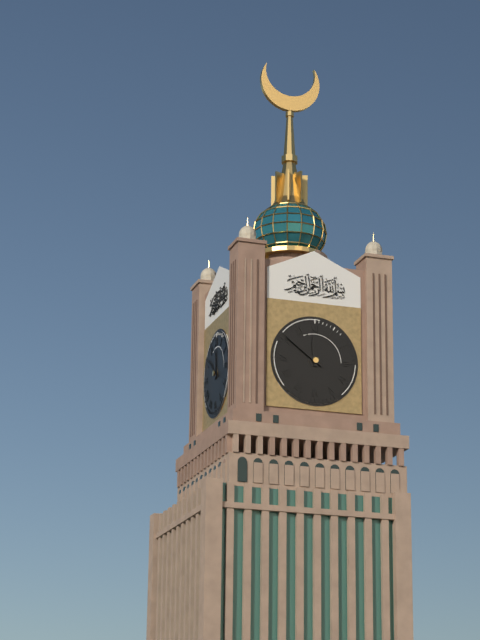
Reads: h=11 m=51
